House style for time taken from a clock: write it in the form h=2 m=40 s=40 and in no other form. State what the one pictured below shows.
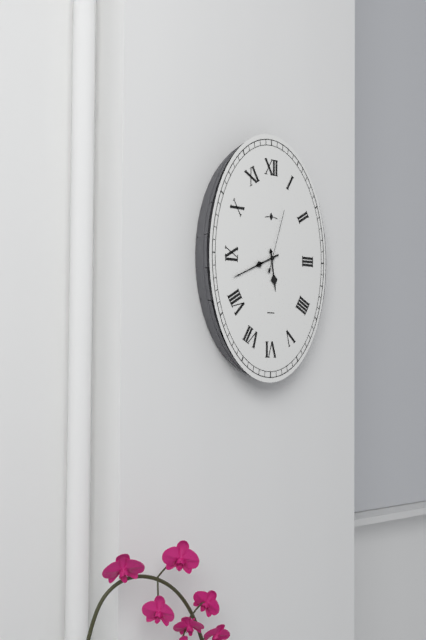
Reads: h=5 m=41 s=3
